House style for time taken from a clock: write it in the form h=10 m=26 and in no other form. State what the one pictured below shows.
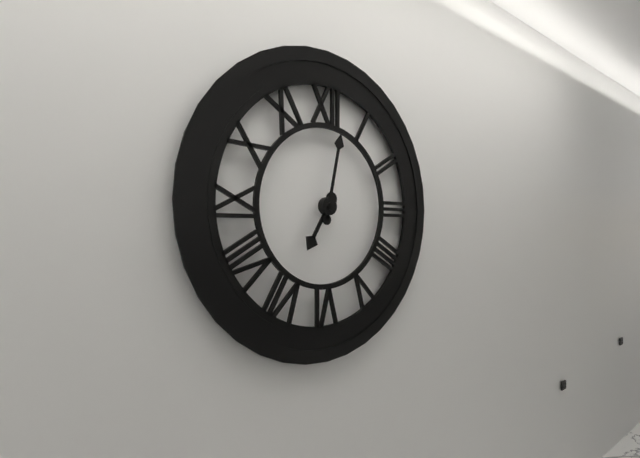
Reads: h=7 m=2
